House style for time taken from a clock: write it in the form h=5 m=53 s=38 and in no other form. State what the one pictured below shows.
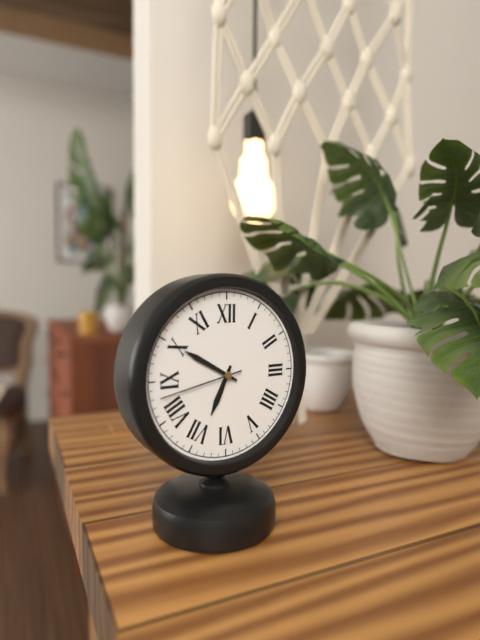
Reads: h=6 m=50 s=43
